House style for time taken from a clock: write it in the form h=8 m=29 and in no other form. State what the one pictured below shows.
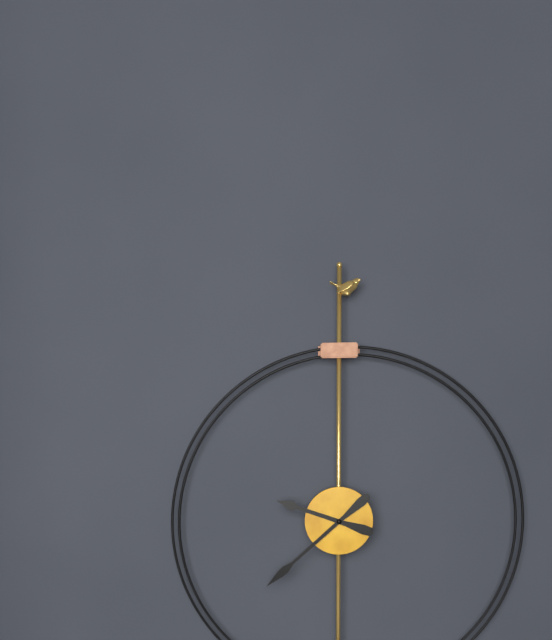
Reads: h=9 m=38
